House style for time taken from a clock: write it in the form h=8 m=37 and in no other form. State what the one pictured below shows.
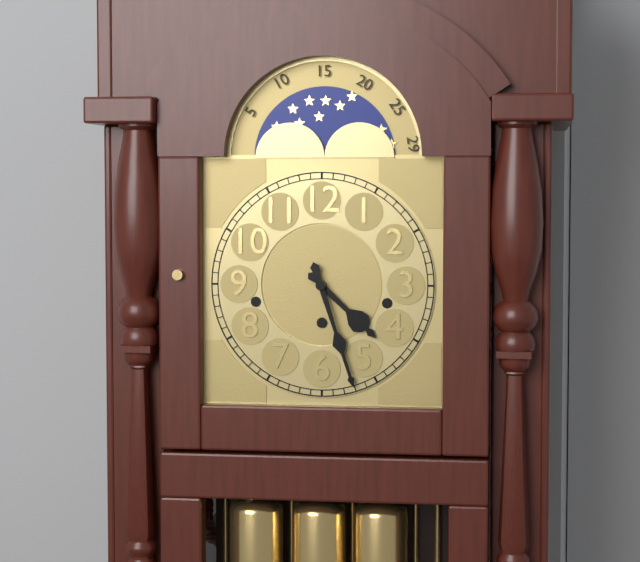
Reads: h=4 m=27
